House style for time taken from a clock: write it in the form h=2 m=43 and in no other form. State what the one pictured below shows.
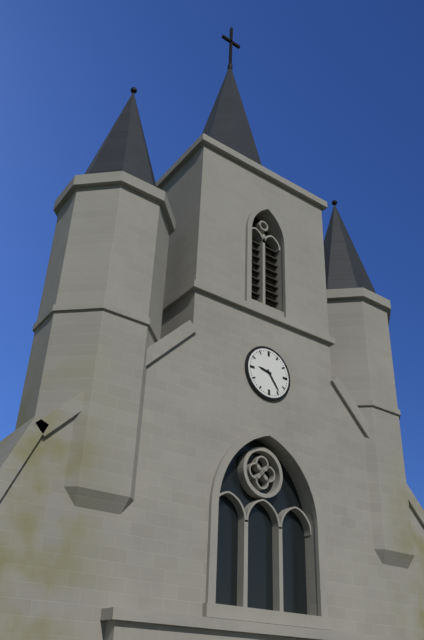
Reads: h=9 m=24
